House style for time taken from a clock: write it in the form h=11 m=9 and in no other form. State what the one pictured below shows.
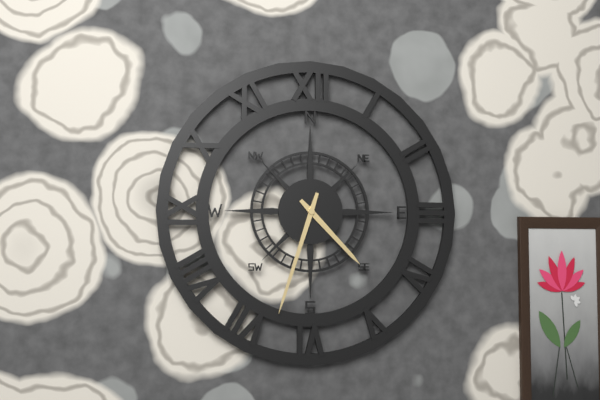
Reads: h=4 m=33
